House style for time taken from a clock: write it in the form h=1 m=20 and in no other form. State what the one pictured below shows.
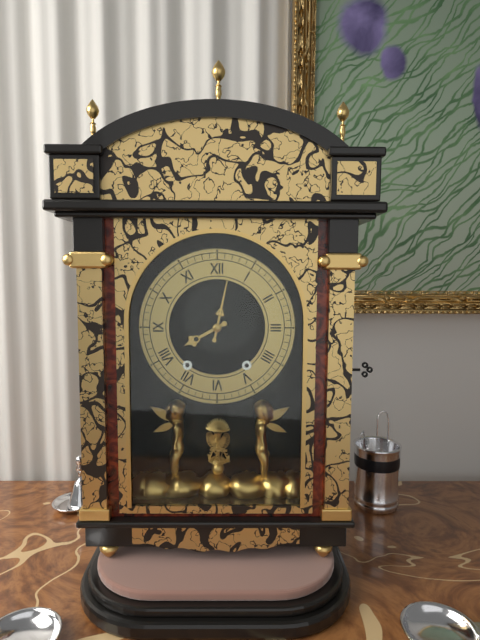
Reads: h=8 m=2
